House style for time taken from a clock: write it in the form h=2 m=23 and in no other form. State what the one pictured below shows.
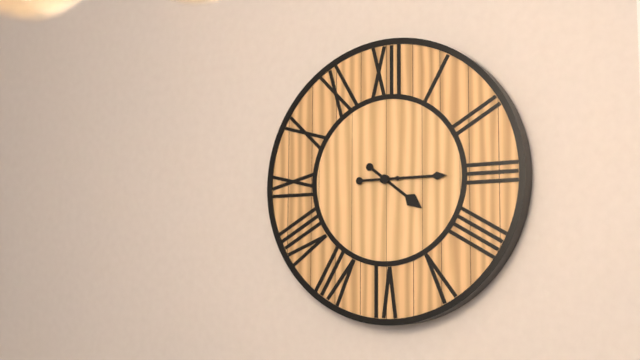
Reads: h=4 m=15
